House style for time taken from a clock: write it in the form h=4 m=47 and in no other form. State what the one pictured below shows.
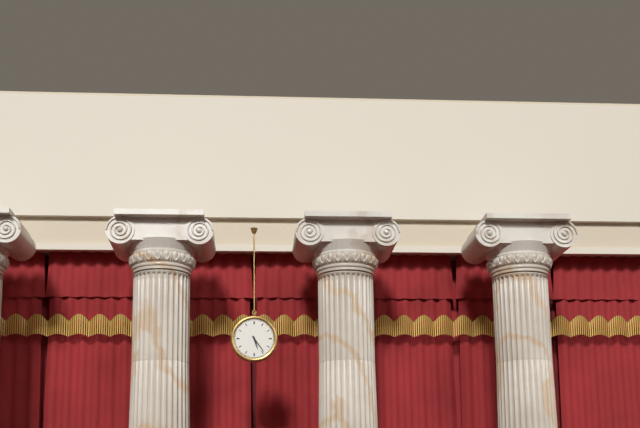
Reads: h=5 m=24
